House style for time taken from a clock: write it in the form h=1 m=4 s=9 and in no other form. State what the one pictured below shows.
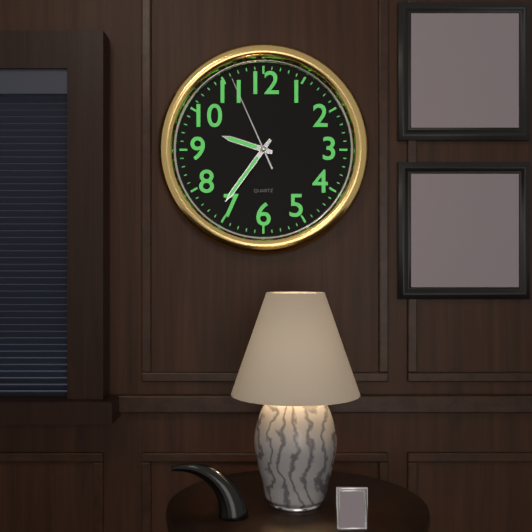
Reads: h=9 m=36 s=56
